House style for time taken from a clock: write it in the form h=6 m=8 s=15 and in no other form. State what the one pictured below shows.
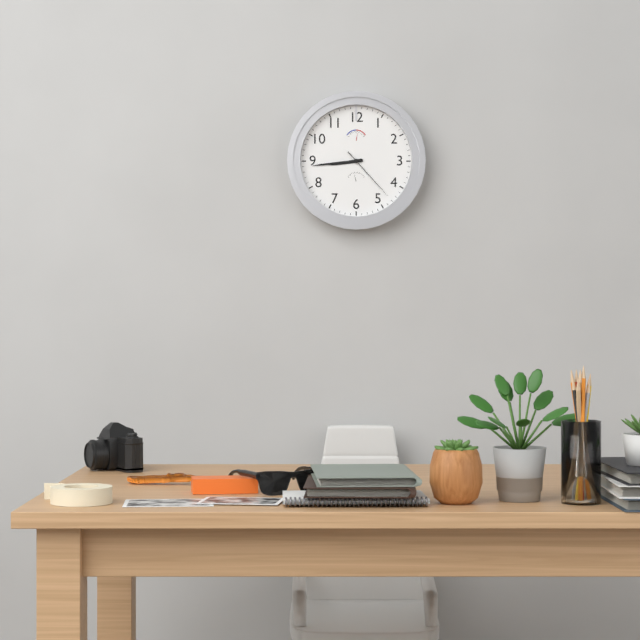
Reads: h=8 m=44 s=23
